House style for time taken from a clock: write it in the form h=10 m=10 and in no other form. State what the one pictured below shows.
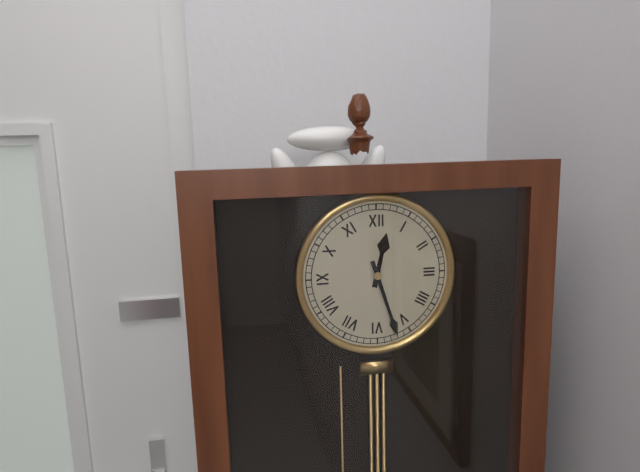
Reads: h=12 m=27
